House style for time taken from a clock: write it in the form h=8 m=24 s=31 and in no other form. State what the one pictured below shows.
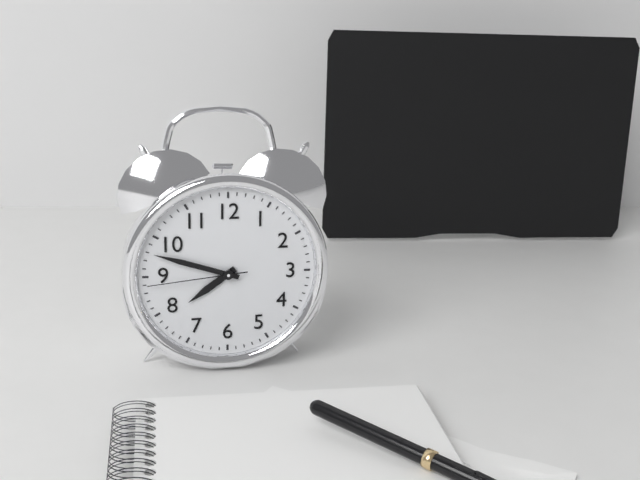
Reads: h=7 m=48 s=44
